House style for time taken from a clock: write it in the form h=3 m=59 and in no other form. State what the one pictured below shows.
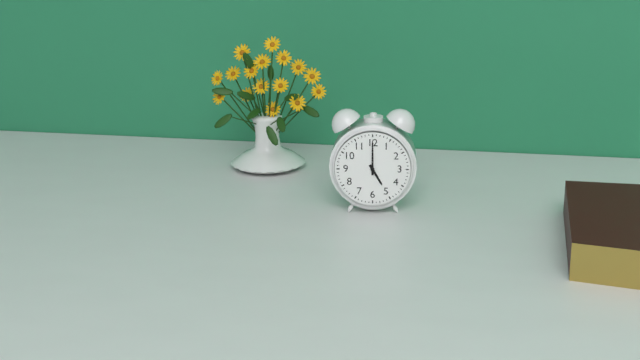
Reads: h=5 m=0
